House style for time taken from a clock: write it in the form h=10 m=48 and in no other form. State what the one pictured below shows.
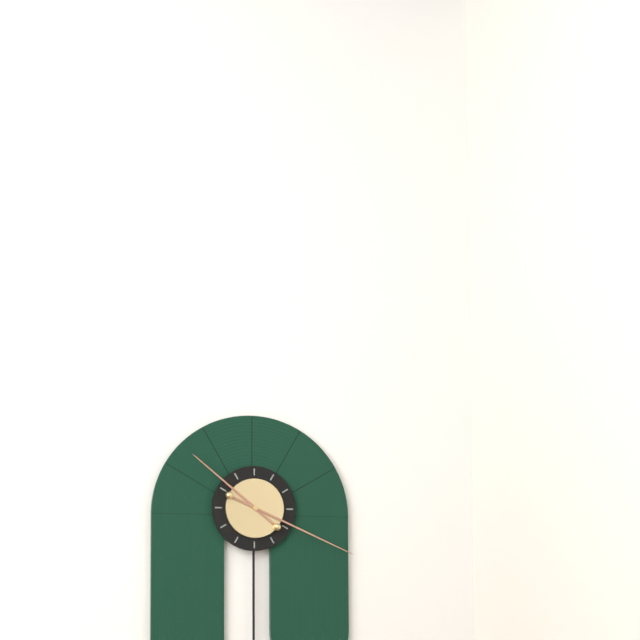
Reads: h=10 m=19
